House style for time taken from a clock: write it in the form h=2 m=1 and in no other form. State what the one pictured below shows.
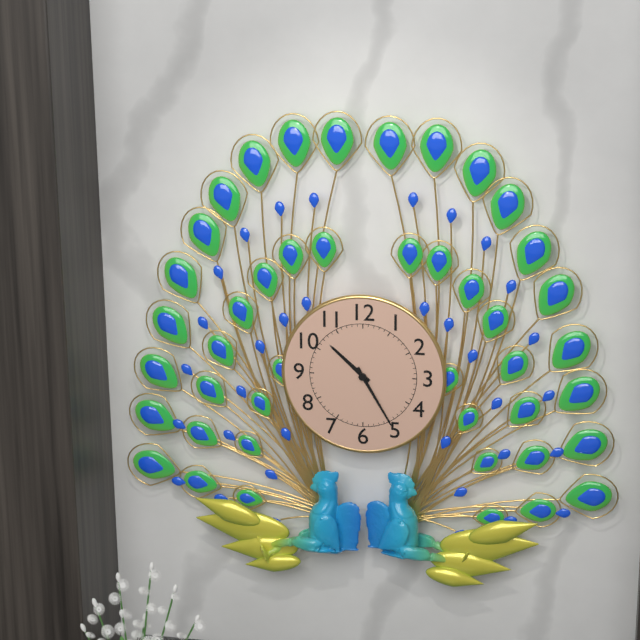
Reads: h=10 m=25
